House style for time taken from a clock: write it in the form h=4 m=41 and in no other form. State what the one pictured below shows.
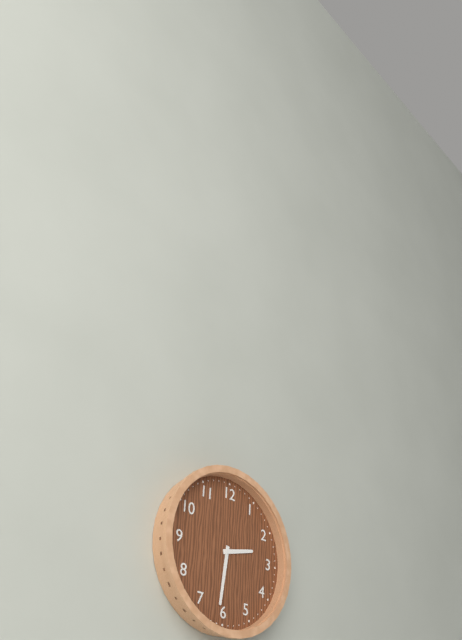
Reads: h=2 m=31
